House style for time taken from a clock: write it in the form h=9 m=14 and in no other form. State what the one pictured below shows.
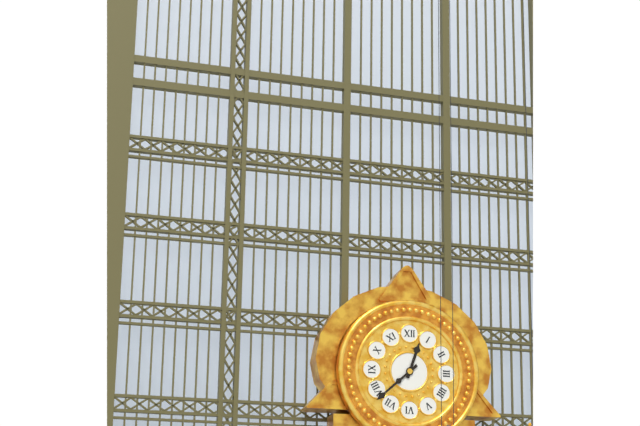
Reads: h=12 m=38
